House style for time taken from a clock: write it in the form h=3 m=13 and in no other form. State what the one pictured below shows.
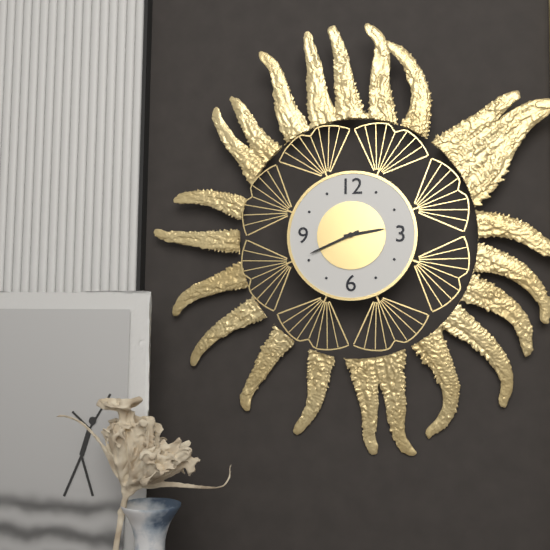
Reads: h=2 m=41
